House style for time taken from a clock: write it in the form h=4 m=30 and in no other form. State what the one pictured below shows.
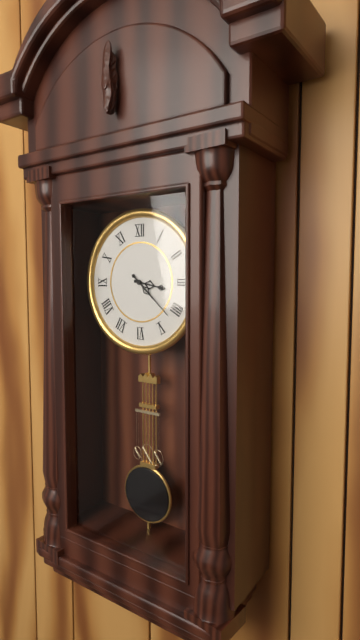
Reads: h=3 m=22
